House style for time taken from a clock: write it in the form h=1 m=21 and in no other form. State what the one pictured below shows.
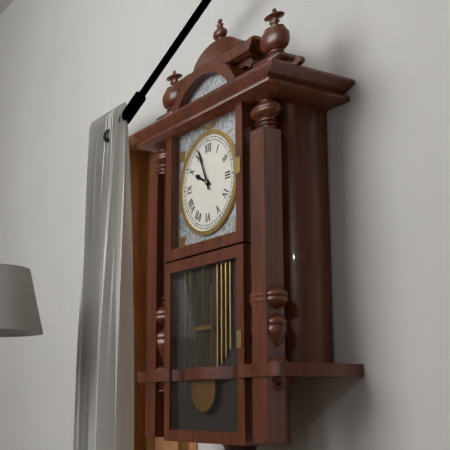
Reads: h=9 m=56
